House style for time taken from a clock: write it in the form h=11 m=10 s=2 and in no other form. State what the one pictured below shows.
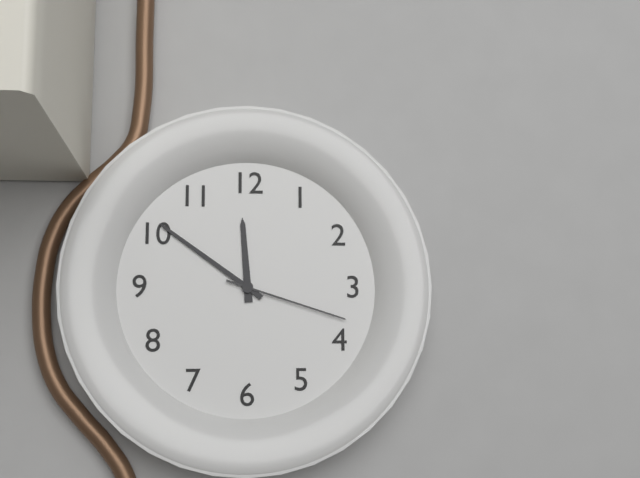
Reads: h=11 m=51 s=18
